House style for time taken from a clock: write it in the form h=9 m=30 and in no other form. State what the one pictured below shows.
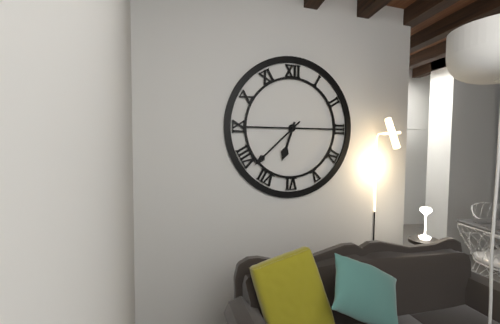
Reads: h=6 m=38
